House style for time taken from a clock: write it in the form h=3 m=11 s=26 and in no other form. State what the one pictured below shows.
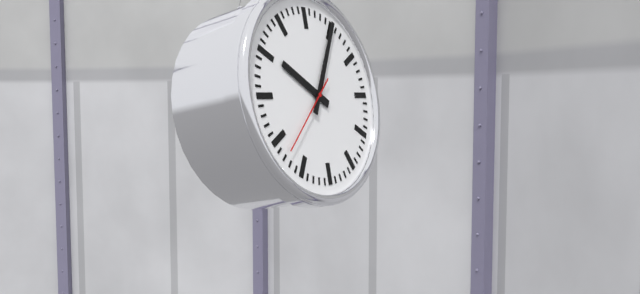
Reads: h=10 m=5 s=38
